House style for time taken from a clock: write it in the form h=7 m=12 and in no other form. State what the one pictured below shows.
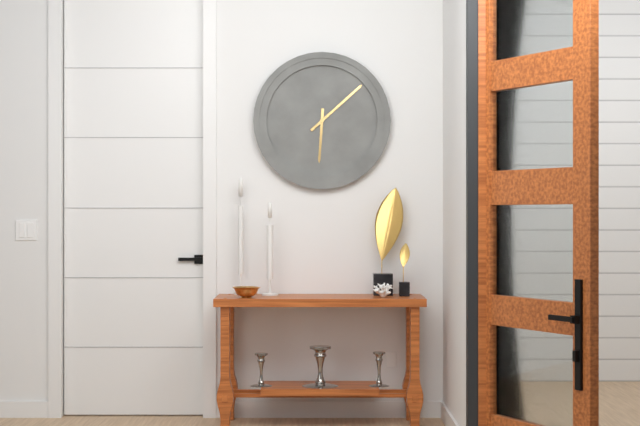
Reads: h=6 m=8
